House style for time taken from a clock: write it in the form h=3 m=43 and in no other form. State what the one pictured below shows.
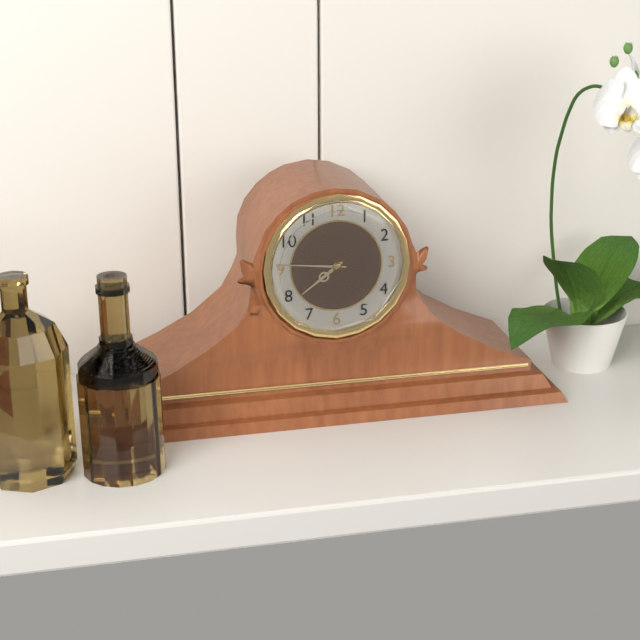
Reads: h=7 m=46
